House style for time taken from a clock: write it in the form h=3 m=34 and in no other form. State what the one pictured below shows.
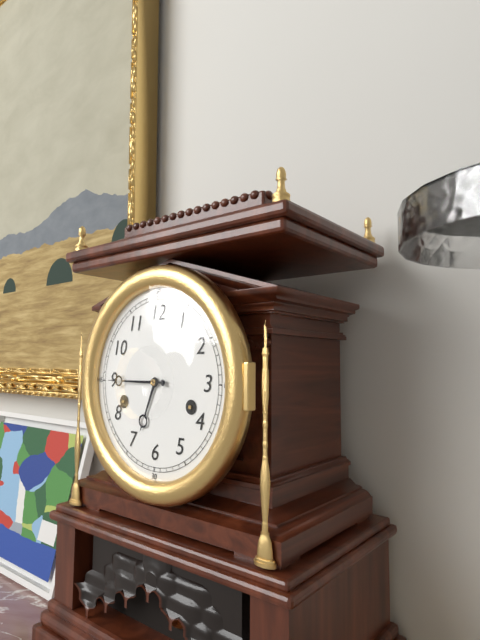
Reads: h=6 m=45
